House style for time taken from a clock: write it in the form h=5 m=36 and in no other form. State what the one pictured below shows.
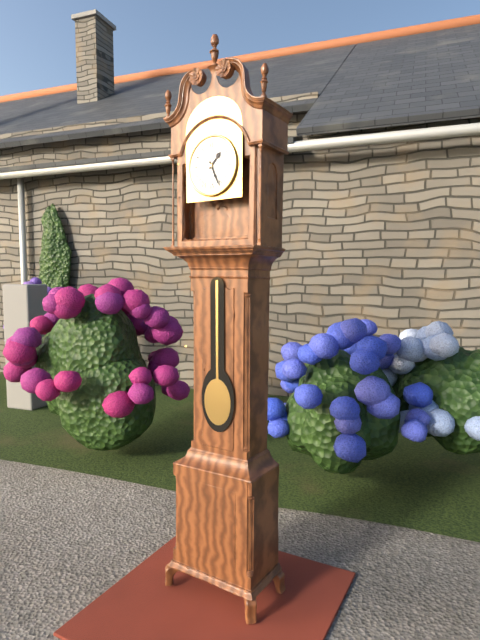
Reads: h=1 m=26
